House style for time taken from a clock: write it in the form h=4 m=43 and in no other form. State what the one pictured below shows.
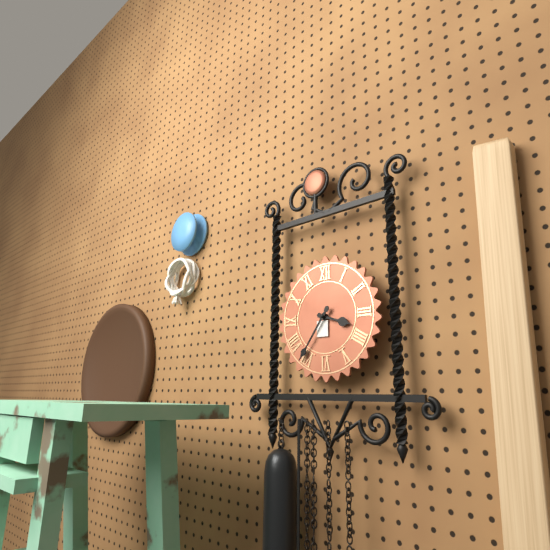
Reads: h=3 m=36
